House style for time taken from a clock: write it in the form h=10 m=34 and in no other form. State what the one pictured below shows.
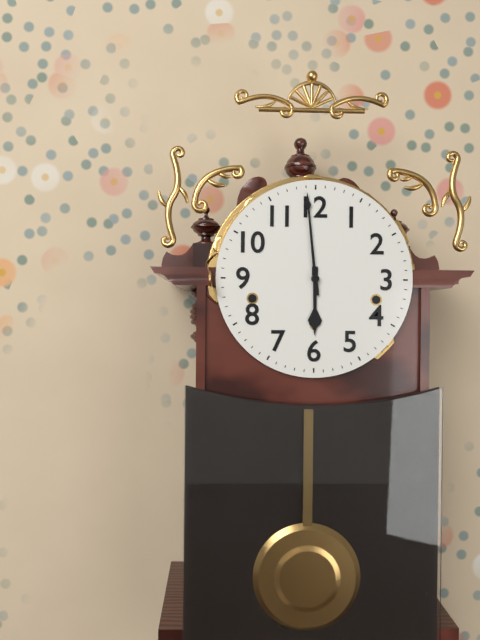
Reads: h=5 m=59
